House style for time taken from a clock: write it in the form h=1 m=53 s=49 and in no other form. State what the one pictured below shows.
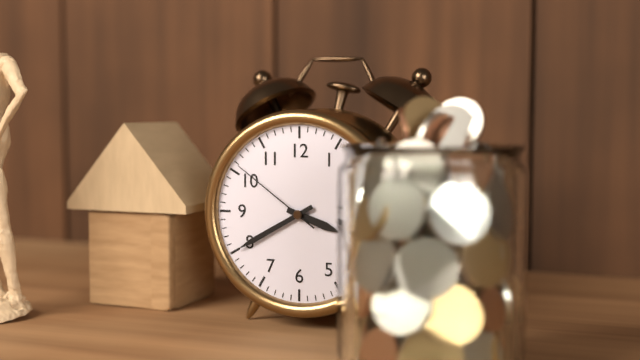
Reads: h=3 m=40 s=51
